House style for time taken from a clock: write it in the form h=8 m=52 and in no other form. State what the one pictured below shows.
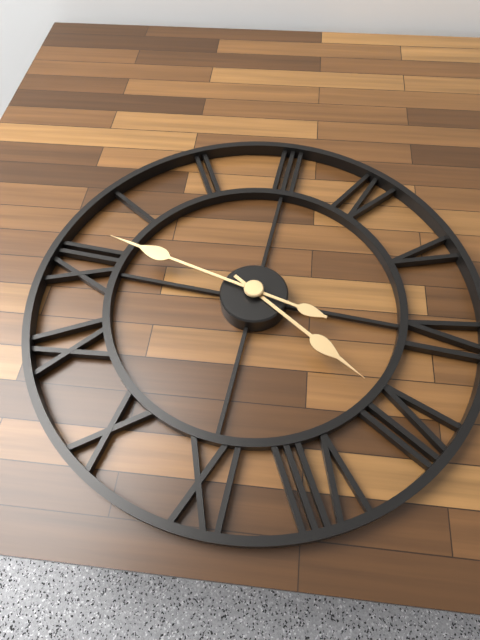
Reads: h=7 m=2
